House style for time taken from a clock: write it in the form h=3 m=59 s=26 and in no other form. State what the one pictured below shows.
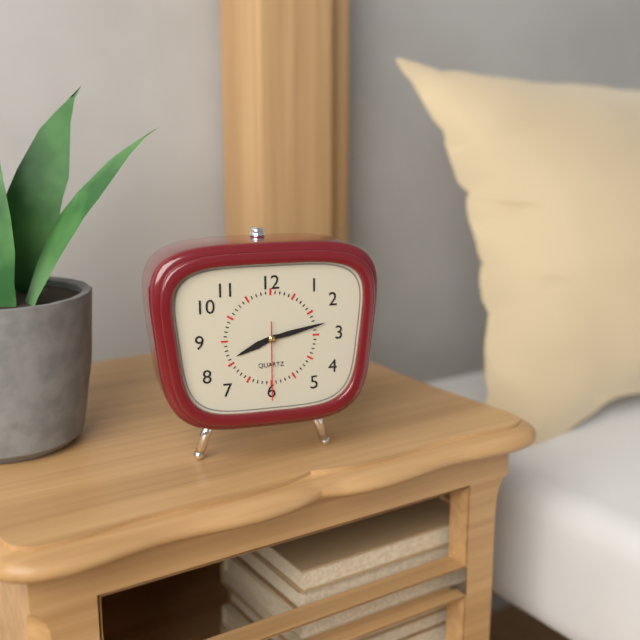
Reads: h=8 m=13 s=30
